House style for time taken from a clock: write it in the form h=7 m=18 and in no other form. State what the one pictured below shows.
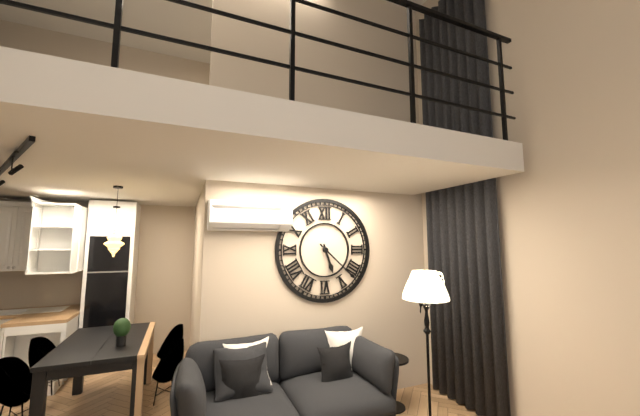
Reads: h=5 m=22
